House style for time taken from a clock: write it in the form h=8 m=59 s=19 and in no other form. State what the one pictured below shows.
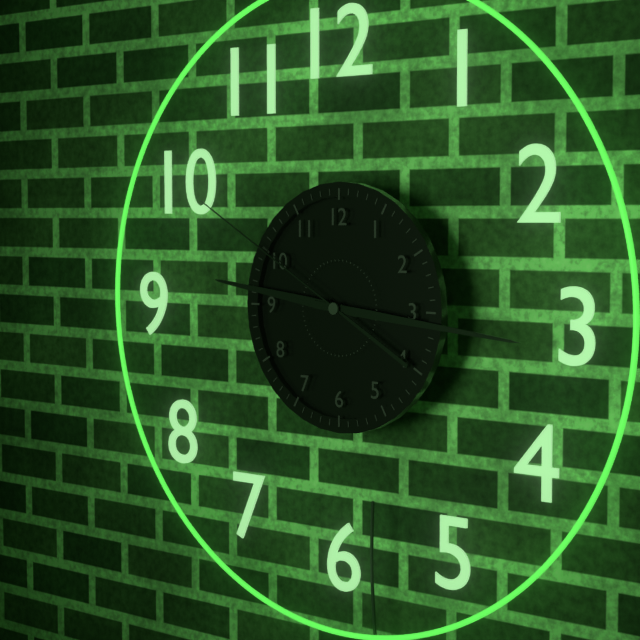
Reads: h=9 m=16 s=50
